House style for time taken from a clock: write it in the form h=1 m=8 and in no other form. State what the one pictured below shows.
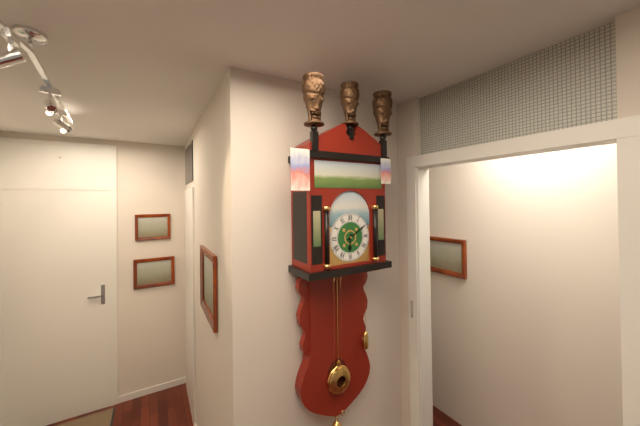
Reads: h=6 m=10
